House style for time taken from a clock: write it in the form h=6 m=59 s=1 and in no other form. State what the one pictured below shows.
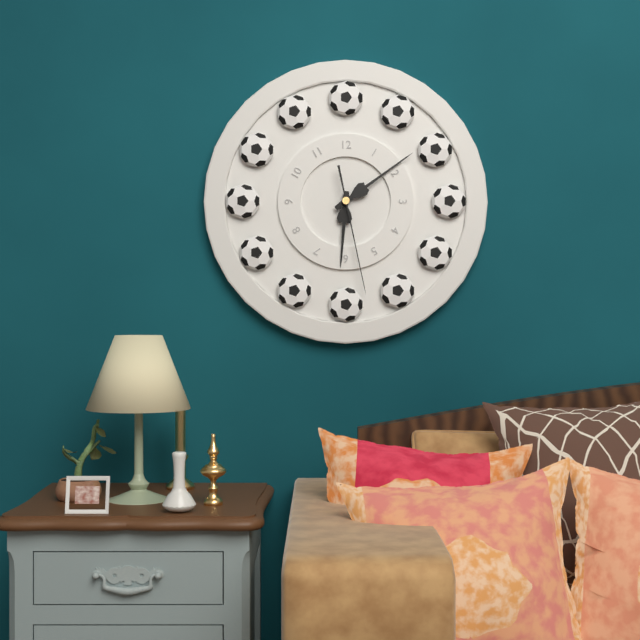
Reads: h=6 m=9 s=28
